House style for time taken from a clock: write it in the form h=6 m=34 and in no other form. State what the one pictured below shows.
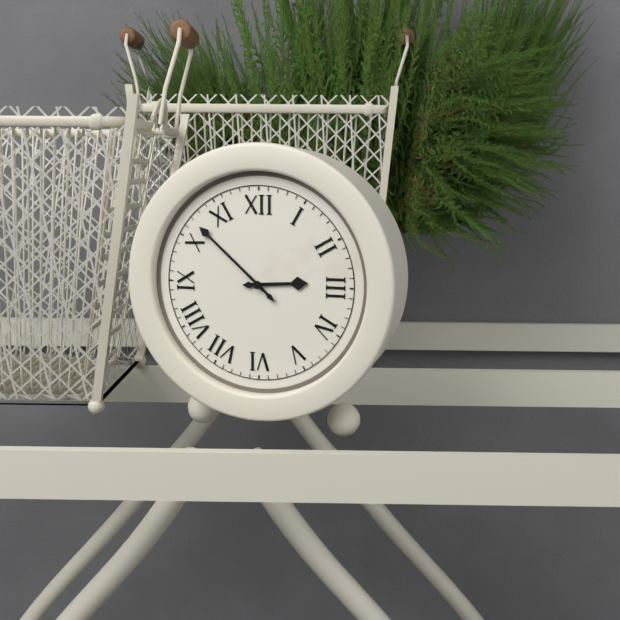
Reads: h=2 m=52
